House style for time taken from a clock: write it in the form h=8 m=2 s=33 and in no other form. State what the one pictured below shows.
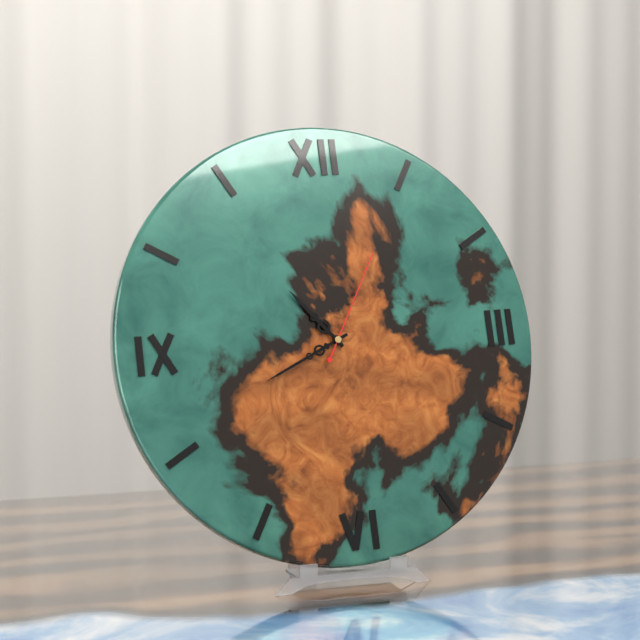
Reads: h=10 m=41 s=5
